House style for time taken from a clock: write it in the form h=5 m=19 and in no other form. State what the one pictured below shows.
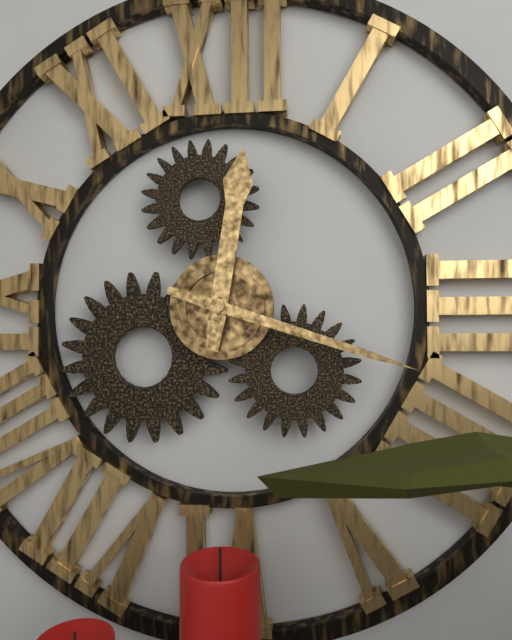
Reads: h=12 m=18
